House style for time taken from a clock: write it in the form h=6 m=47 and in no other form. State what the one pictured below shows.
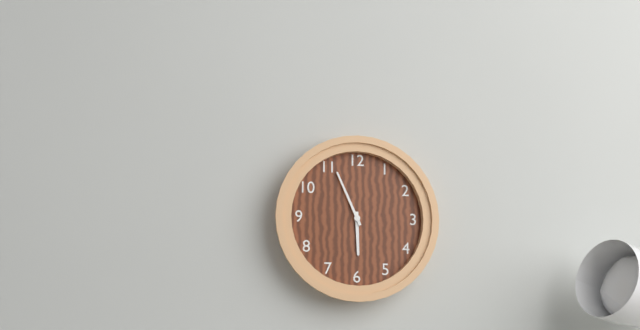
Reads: h=5 m=56
